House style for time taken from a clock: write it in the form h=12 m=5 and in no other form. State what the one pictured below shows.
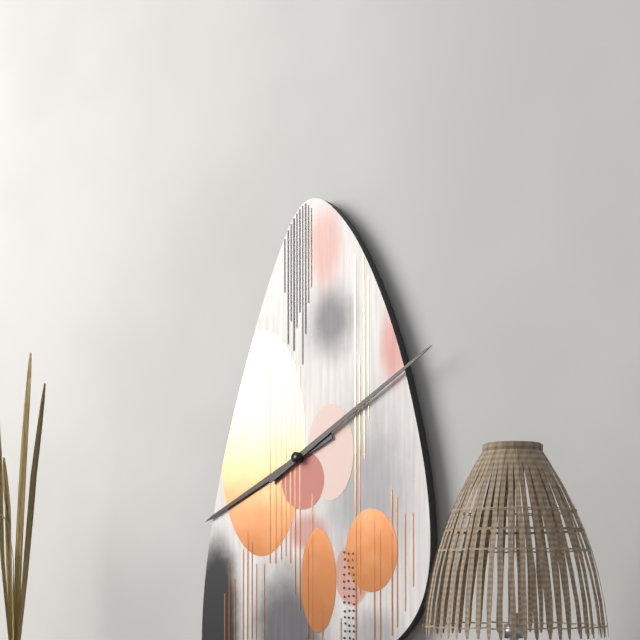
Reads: h=8 m=10
